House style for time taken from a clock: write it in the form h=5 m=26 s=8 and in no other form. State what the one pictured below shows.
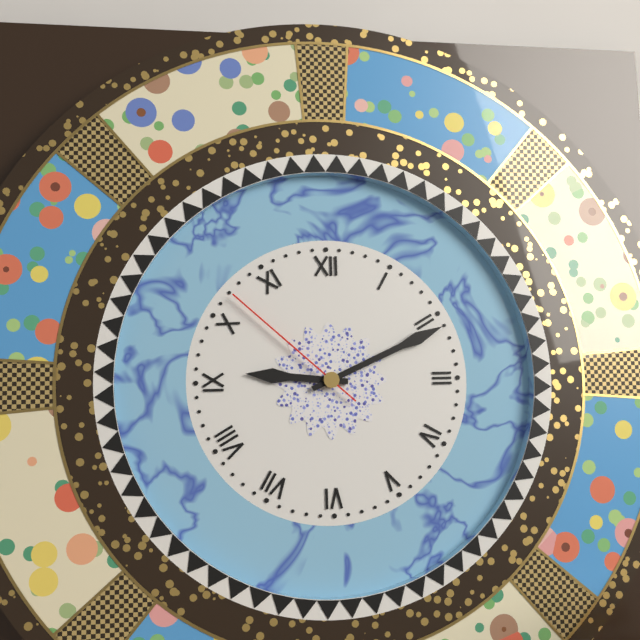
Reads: h=9 m=11 s=52
